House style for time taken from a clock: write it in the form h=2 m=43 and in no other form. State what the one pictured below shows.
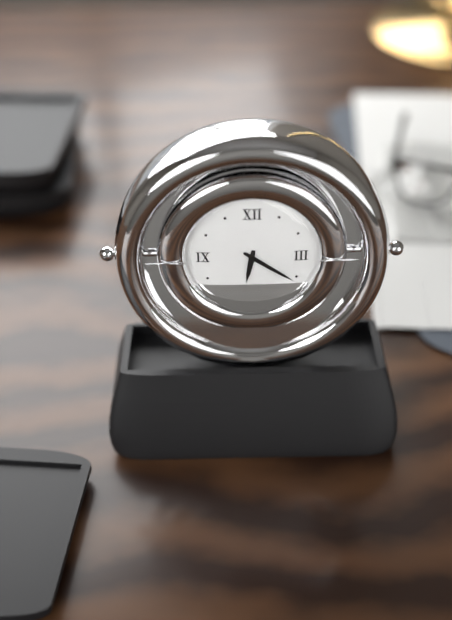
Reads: h=6 m=21
